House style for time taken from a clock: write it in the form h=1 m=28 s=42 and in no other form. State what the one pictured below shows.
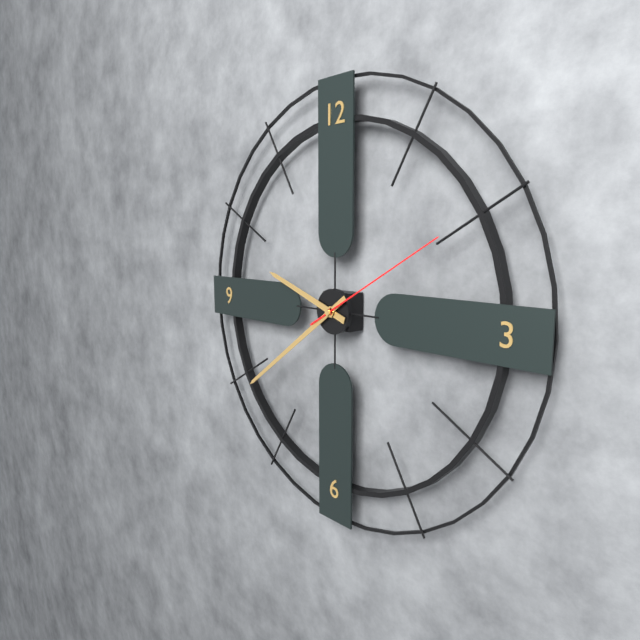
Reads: h=9 m=39 s=10
